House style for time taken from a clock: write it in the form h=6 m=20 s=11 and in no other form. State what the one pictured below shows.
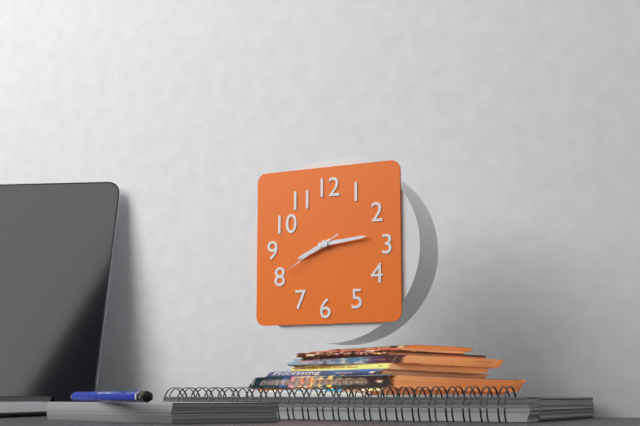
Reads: h=8 m=14 s=40
